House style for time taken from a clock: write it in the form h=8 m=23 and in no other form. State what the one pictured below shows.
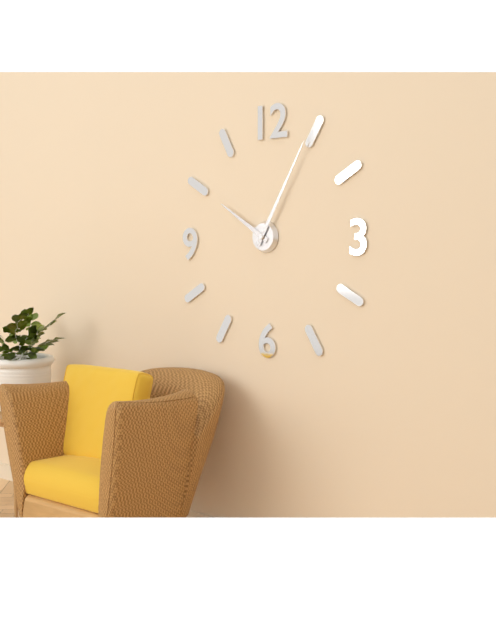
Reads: h=10 m=5
